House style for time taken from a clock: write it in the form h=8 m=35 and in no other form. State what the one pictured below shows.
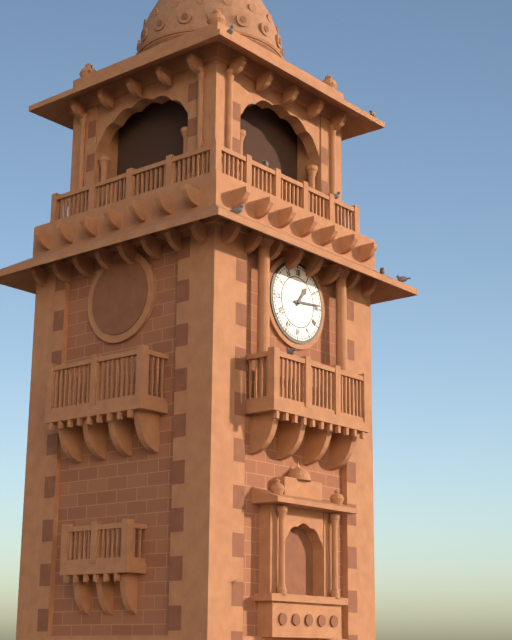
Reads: h=1 m=14
